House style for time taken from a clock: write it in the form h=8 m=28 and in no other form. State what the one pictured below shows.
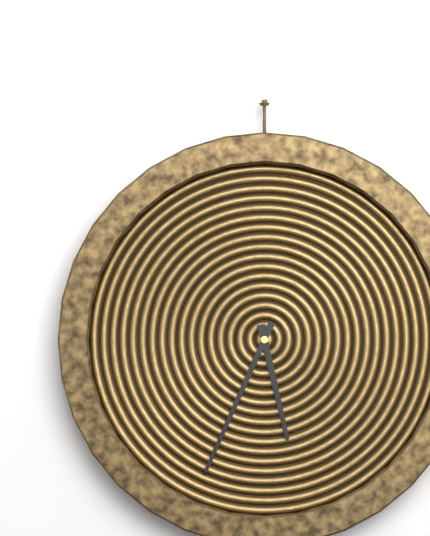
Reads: h=5 m=34
